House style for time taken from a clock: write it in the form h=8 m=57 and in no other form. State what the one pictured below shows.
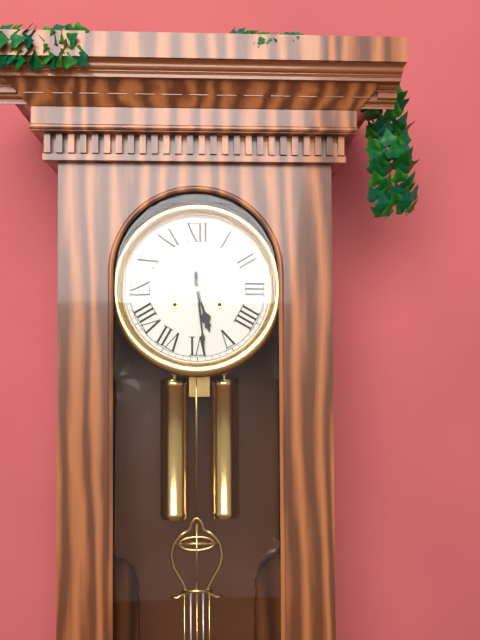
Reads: h=5 m=29
